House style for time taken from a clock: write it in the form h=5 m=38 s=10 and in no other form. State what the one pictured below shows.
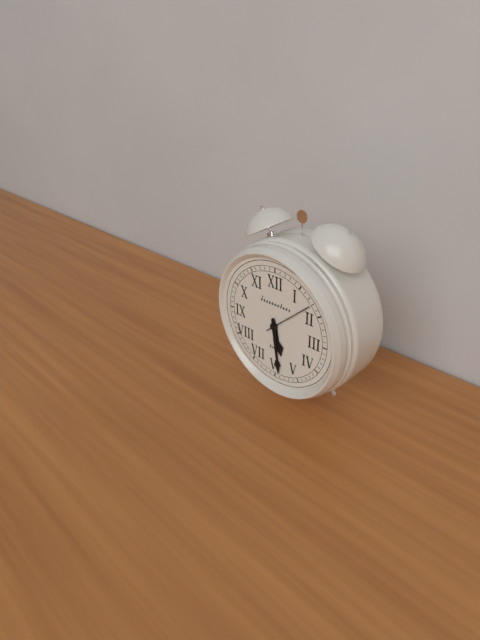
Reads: h=5 m=29 s=8
